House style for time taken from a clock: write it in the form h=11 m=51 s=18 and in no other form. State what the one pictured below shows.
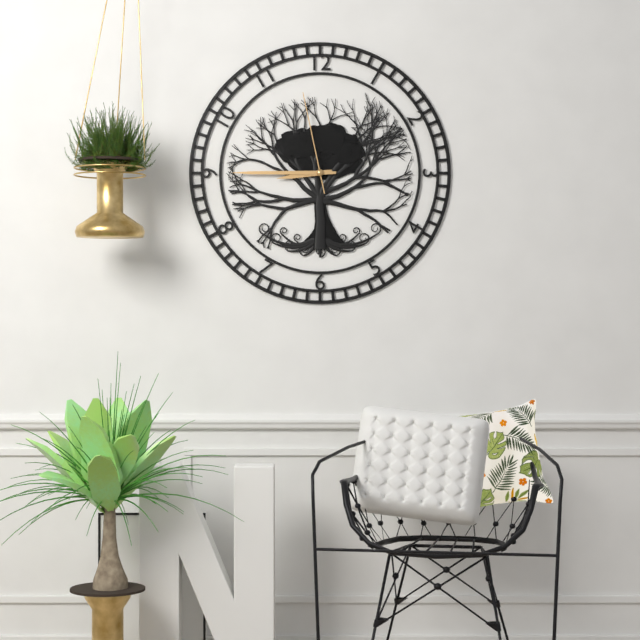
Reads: h=8 m=45 s=58
